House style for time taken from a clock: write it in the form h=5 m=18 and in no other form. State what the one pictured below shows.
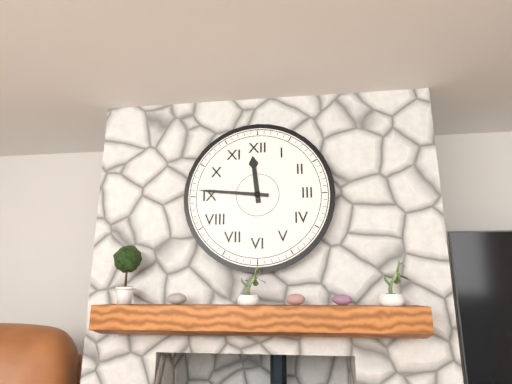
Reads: h=11 m=46
